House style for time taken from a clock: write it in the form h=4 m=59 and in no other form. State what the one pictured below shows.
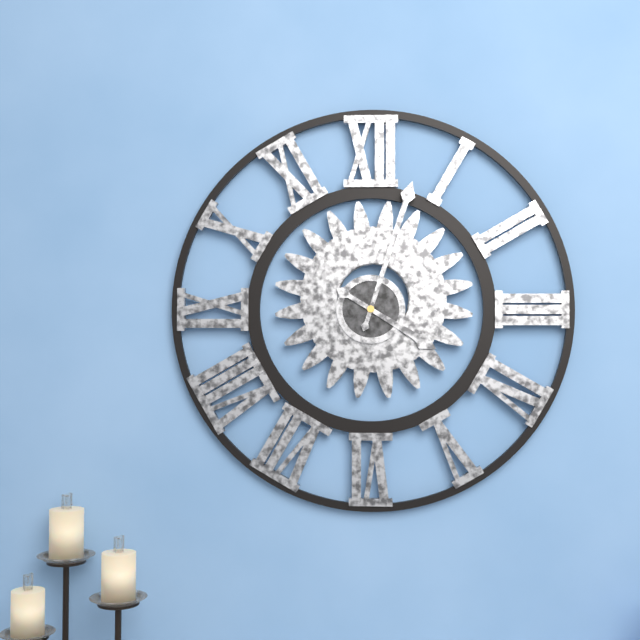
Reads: h=4 m=3
